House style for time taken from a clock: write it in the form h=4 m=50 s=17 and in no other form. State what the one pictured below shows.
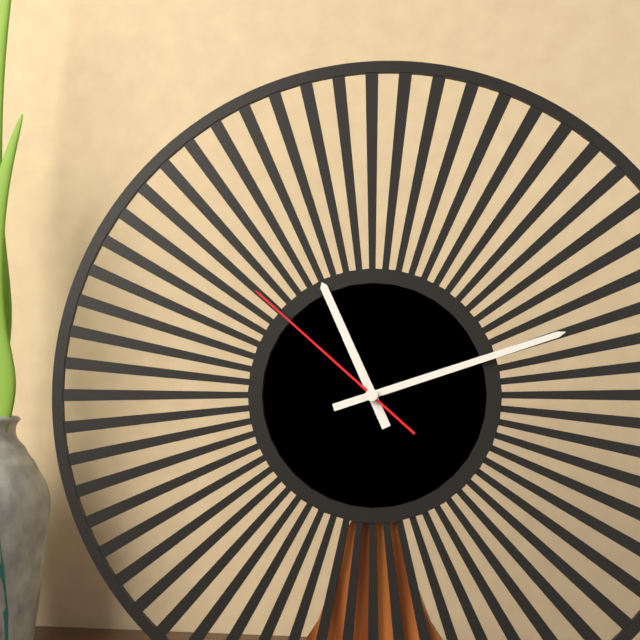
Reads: h=11 m=12 s=52
